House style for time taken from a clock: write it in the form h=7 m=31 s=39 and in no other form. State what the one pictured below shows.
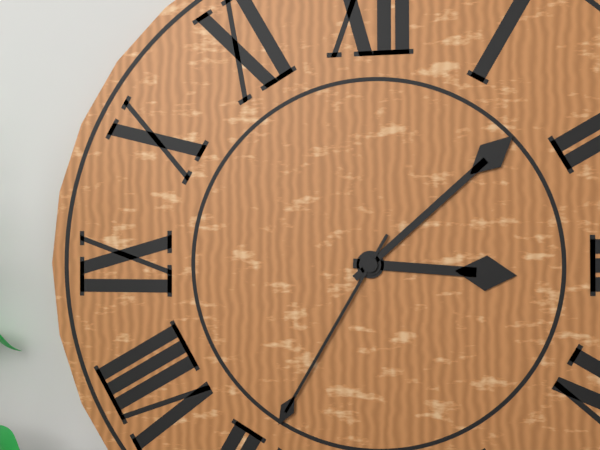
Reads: h=3 m=8 s=35
